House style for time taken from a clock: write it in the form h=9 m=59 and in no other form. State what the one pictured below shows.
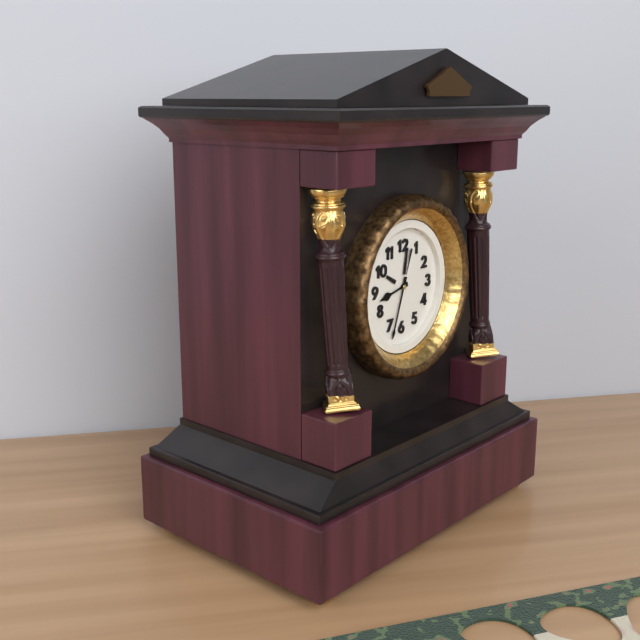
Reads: h=8 m=33
